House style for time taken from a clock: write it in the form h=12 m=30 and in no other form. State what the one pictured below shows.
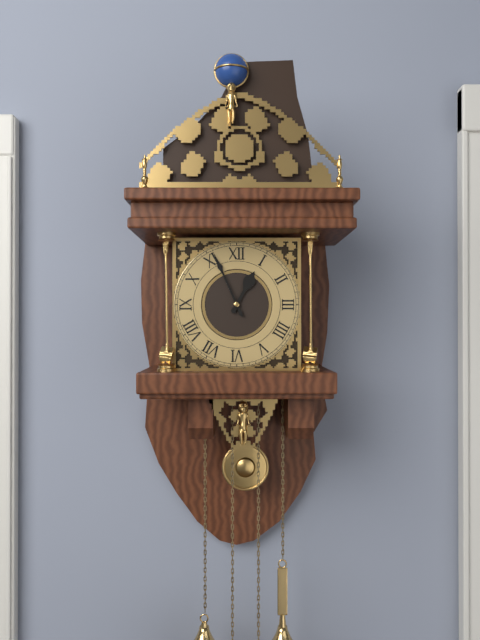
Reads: h=12 m=56
